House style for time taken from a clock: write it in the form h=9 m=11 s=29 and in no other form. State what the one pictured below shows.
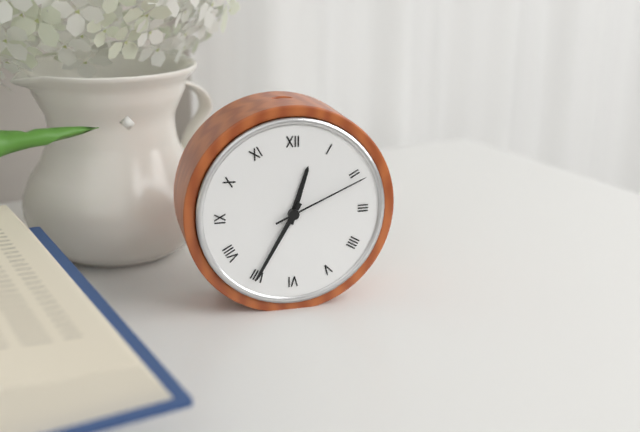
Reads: h=12 m=35 s=11
